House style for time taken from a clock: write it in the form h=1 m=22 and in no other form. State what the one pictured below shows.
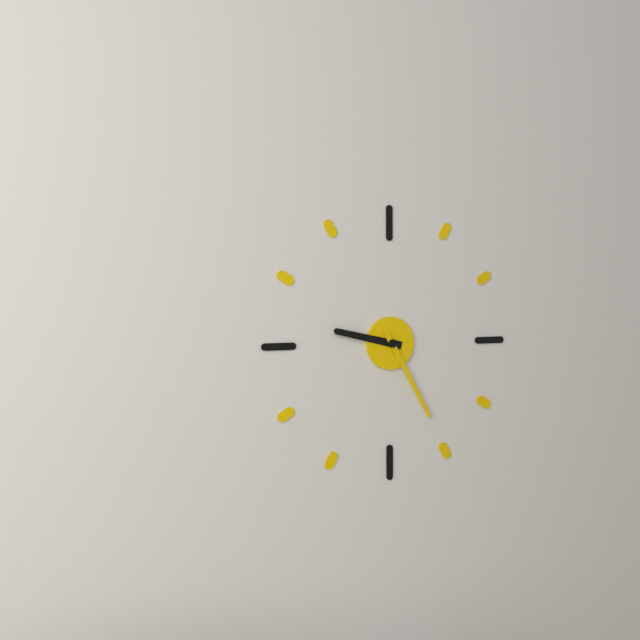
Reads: h=9 m=25
